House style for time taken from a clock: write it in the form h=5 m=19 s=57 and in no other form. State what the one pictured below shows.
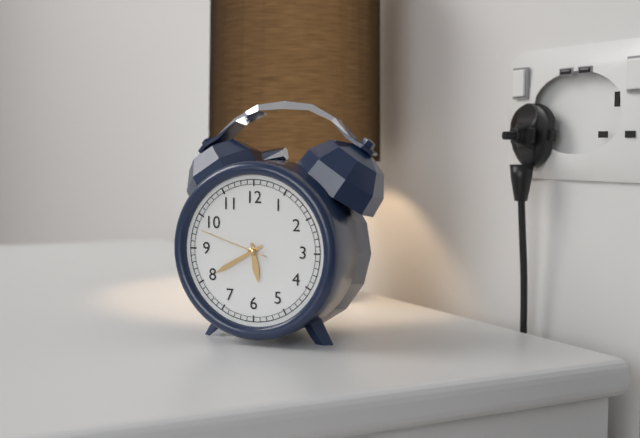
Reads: h=5 m=40 s=48
